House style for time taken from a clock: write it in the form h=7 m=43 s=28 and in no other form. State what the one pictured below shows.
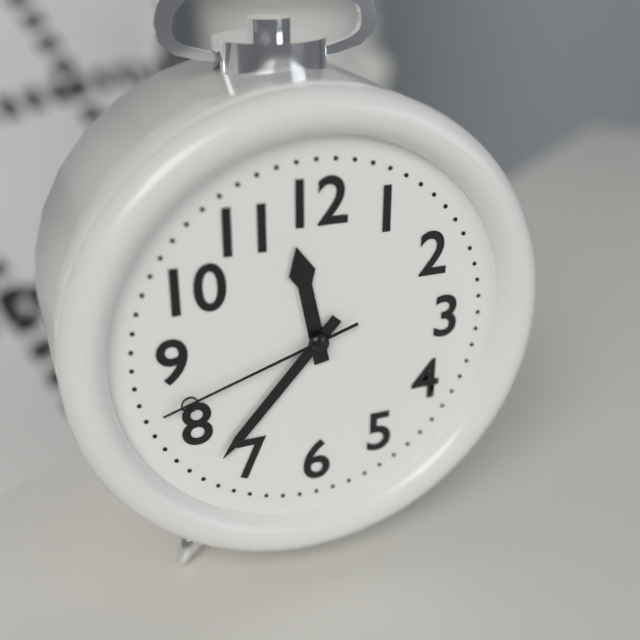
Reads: h=11 m=37 s=42
